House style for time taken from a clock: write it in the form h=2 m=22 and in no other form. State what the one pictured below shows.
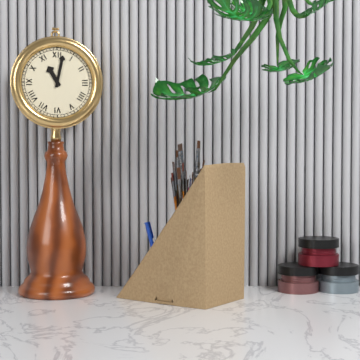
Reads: h=11 m=2
